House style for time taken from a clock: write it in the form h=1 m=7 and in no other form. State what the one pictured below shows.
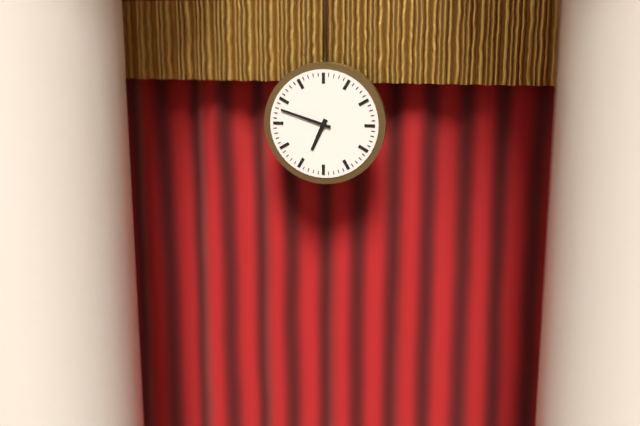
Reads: h=6 m=48
